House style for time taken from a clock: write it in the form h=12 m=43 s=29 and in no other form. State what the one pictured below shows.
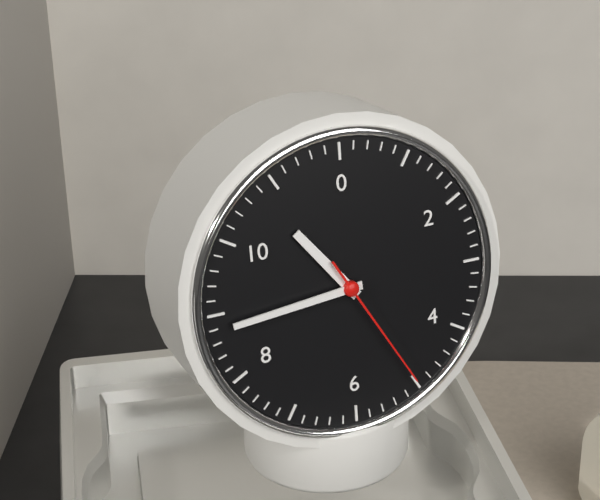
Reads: h=10 m=44 s=25
